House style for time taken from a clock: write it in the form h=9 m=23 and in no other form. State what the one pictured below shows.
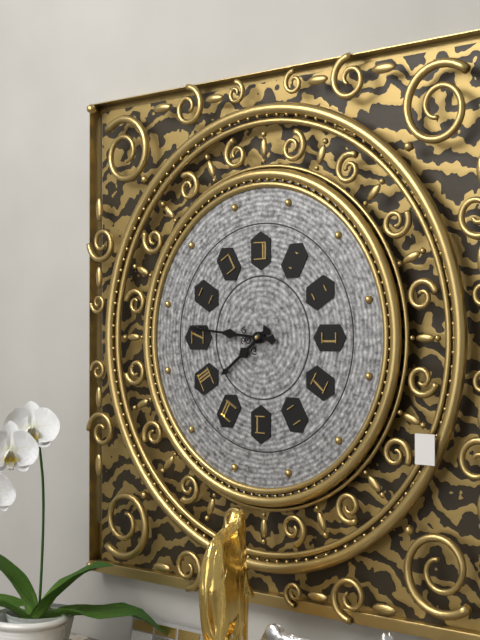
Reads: h=7 m=46
